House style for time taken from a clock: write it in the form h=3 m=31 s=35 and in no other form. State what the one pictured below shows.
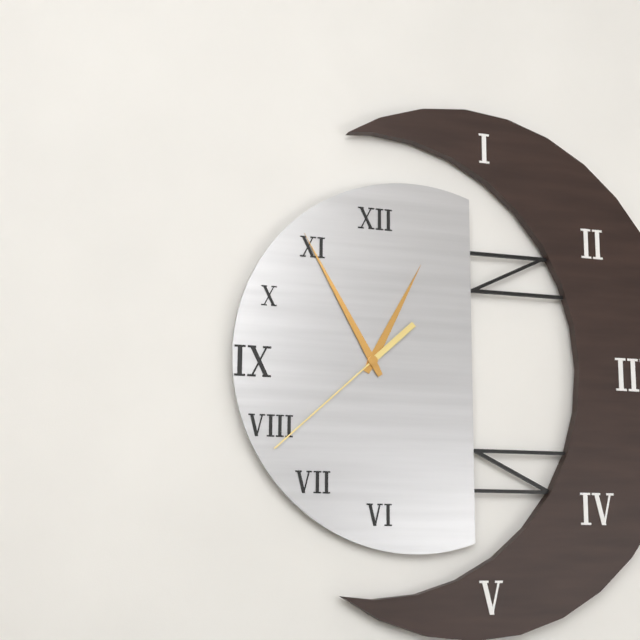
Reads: h=12 m=55 s=38
